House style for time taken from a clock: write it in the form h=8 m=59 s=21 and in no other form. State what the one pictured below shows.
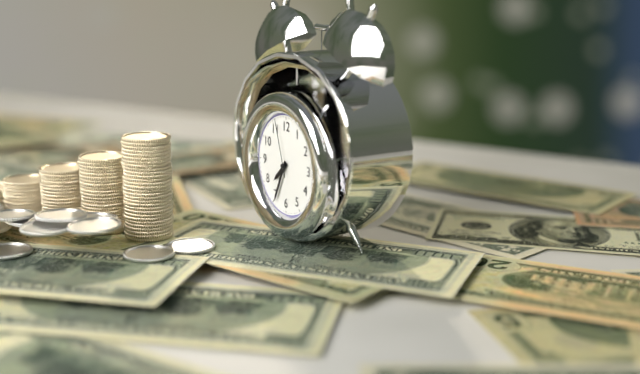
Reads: h=7 m=34 s=57
